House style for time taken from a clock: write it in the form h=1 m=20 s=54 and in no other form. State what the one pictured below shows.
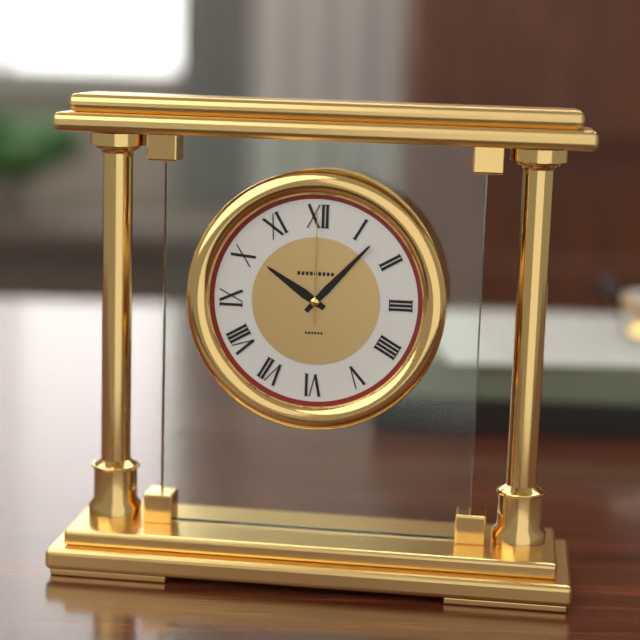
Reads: h=10 m=7 s=0
